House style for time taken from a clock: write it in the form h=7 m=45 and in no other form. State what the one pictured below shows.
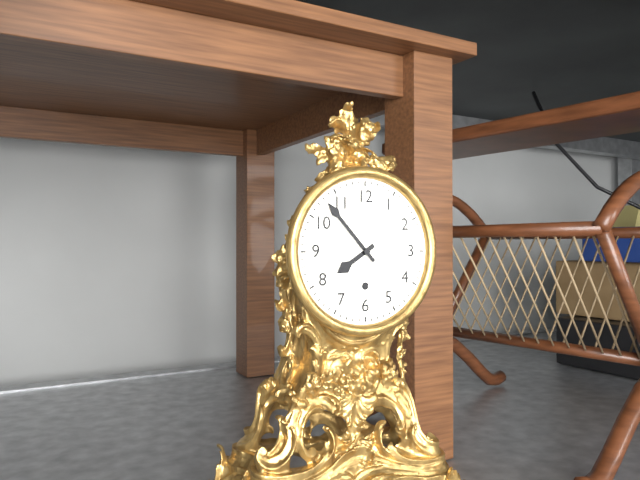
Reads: h=7 m=53
